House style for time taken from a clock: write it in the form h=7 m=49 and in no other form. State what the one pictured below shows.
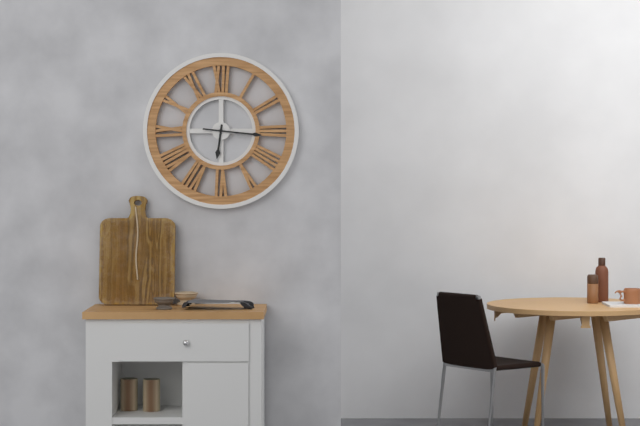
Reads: h=6 m=16
